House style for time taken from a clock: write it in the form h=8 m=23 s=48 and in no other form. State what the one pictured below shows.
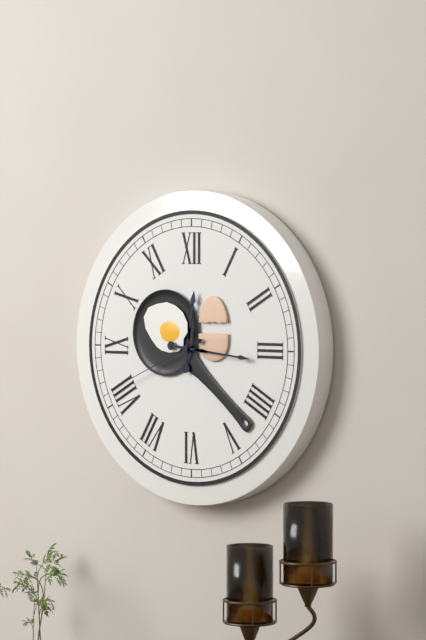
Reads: h=12 m=16 s=41
